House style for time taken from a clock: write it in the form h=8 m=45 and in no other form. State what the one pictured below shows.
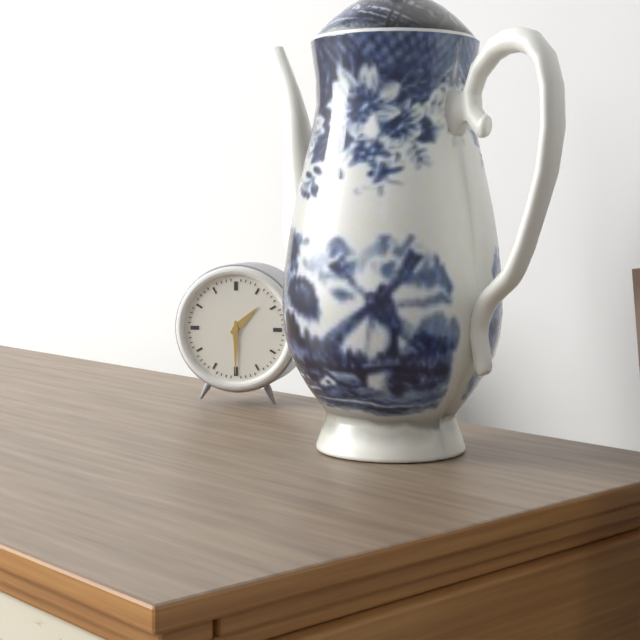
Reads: h=1 m=30
